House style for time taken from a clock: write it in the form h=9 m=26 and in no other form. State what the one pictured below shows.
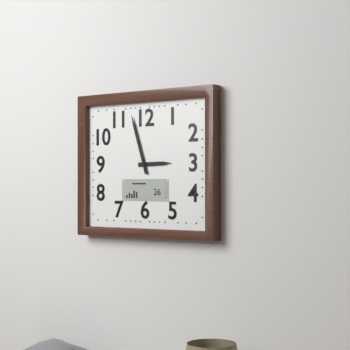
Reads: h=2 m=57
